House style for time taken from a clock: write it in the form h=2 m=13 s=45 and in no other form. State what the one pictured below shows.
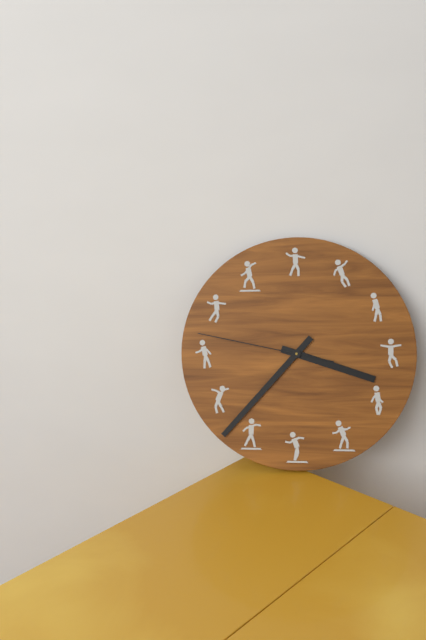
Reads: h=3 m=37 s=47
